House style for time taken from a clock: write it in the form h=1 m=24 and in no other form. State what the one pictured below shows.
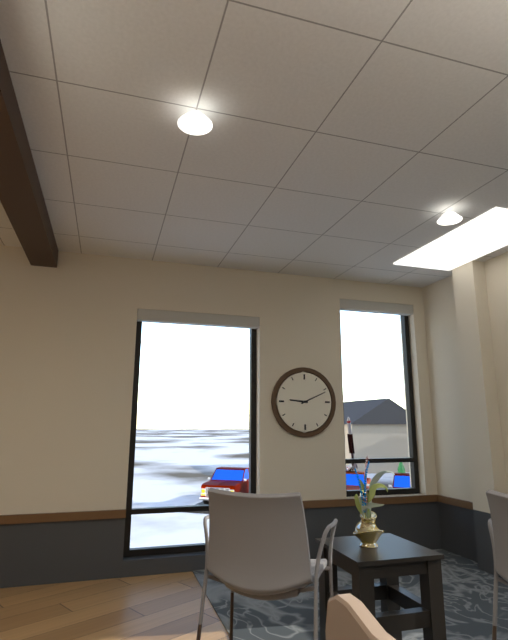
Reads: h=9 m=11
